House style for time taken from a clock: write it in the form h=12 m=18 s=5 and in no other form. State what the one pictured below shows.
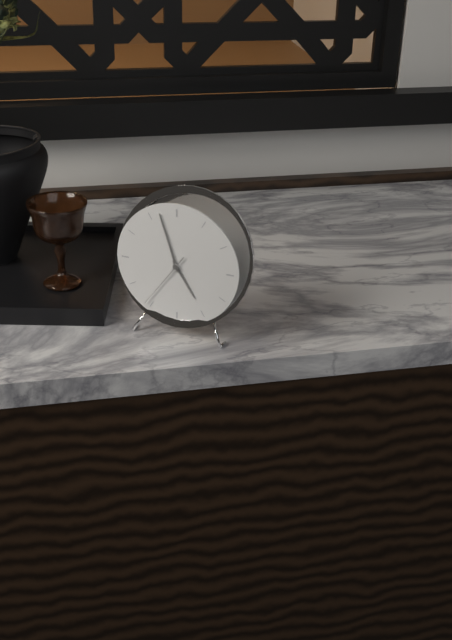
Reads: h=4 m=57 s=36
